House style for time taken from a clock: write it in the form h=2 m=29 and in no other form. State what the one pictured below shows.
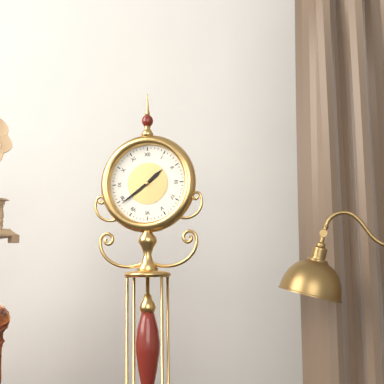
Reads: h=1 m=39
